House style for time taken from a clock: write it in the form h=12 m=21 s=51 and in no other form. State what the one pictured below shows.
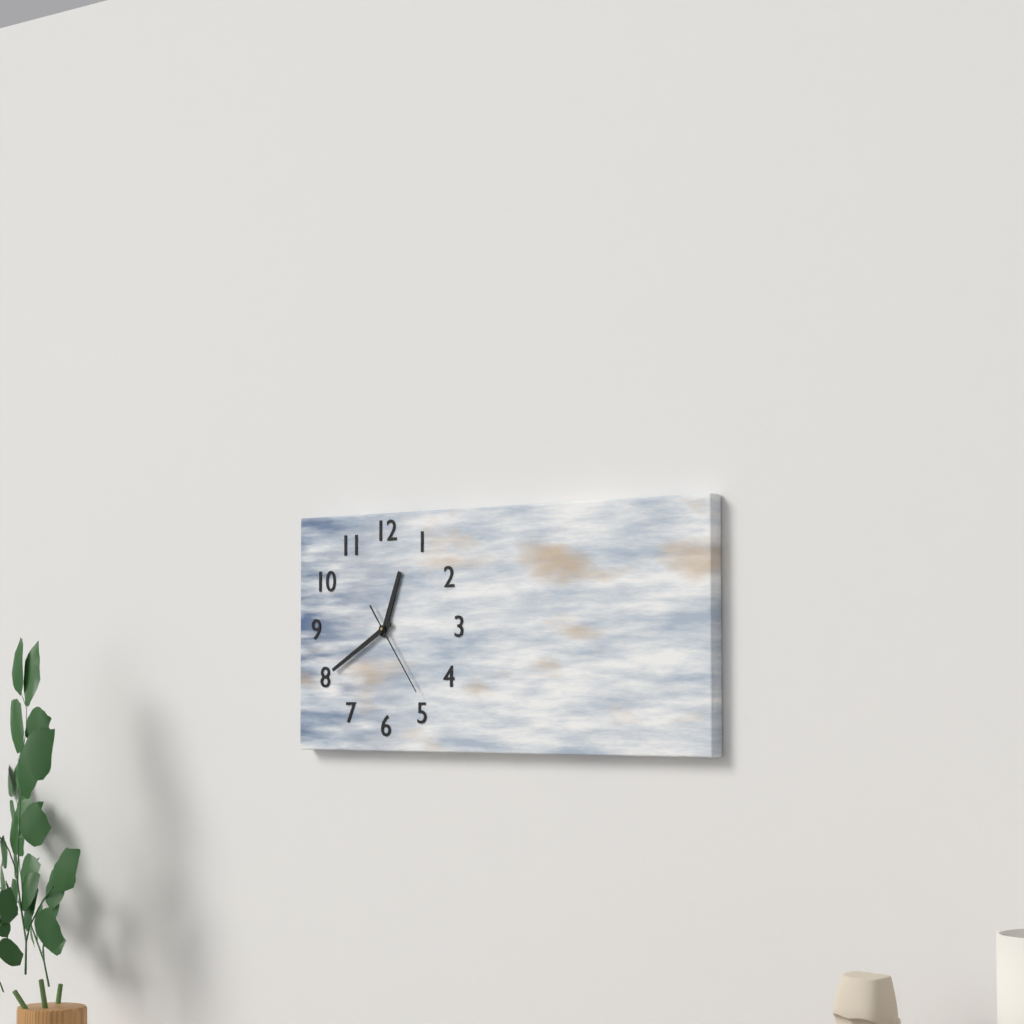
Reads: h=12 m=40 s=24
